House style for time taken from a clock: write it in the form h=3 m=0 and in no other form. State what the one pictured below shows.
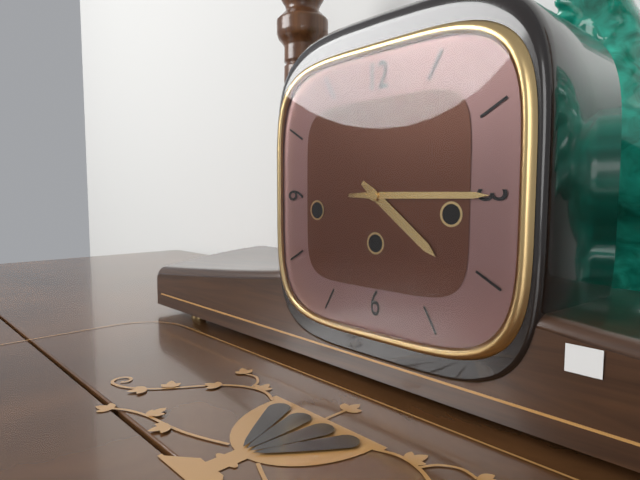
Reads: h=4 m=15
